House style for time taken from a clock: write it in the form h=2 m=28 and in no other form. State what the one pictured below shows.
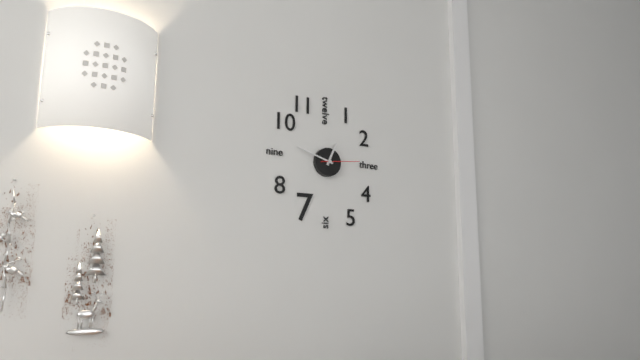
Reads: h=12 m=48
